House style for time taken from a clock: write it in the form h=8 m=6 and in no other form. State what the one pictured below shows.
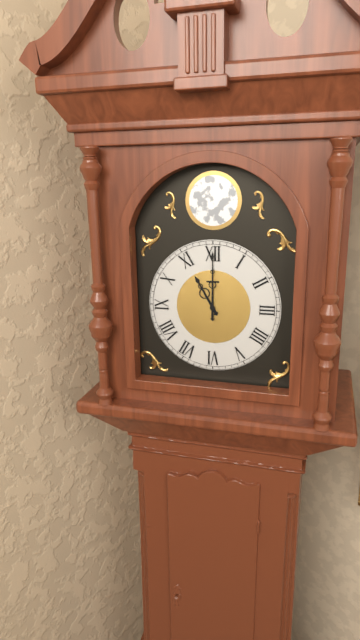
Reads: h=11 m=0
